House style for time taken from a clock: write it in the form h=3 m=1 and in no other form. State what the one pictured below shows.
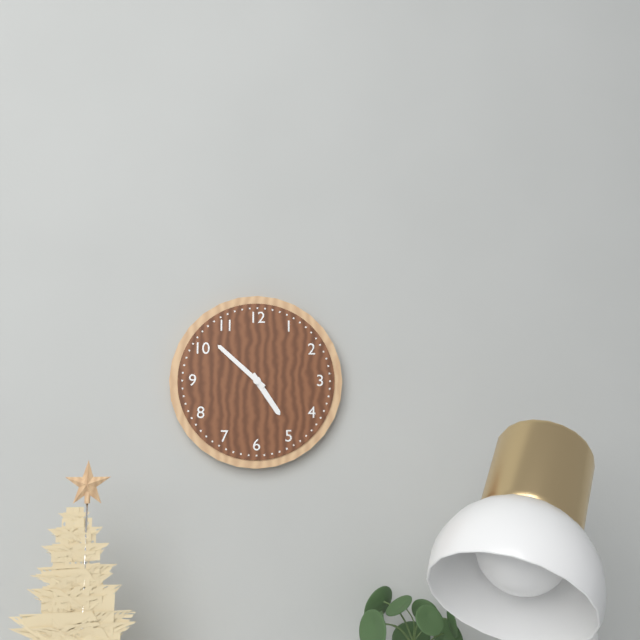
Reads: h=4 m=52
